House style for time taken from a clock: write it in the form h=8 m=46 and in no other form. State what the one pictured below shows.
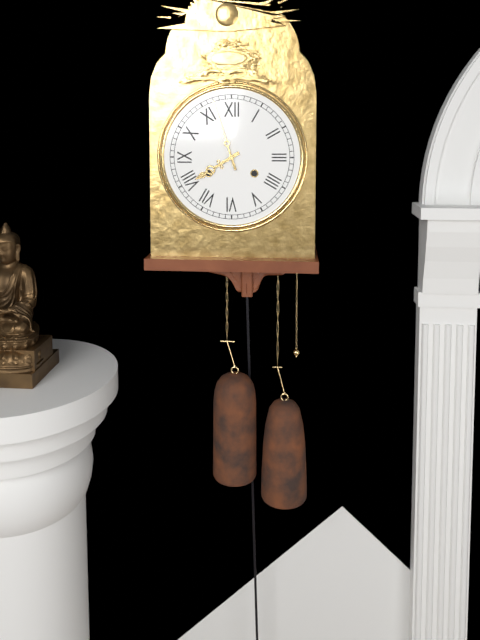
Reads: h=7 m=57
